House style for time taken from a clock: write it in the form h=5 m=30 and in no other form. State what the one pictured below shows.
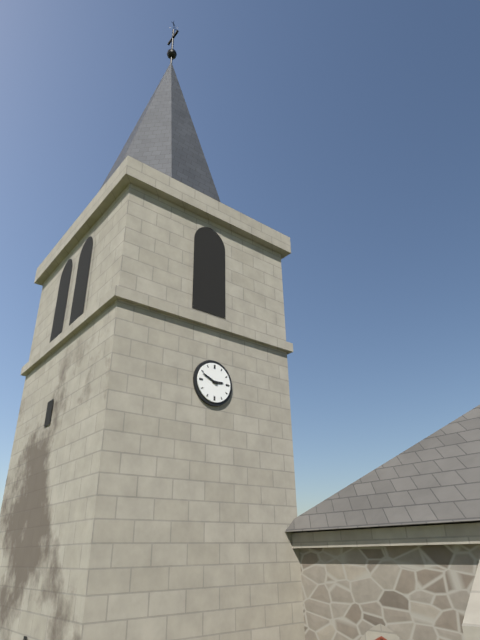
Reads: h=2 m=49
